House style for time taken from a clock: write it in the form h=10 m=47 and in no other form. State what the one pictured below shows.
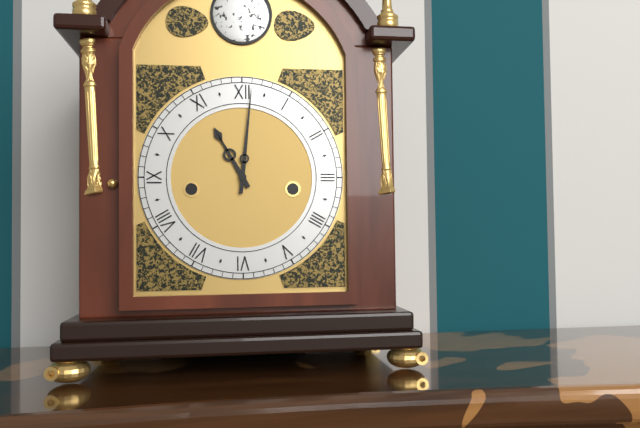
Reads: h=11 m=1
